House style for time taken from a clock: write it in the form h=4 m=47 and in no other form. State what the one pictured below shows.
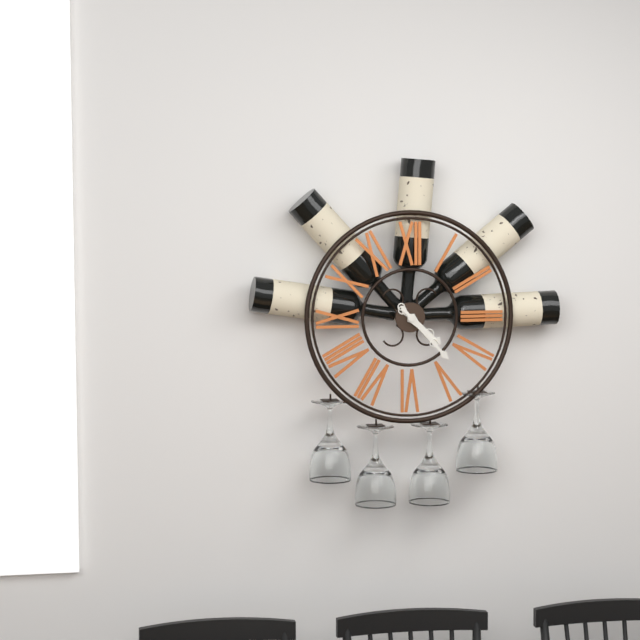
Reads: h=4 m=23
